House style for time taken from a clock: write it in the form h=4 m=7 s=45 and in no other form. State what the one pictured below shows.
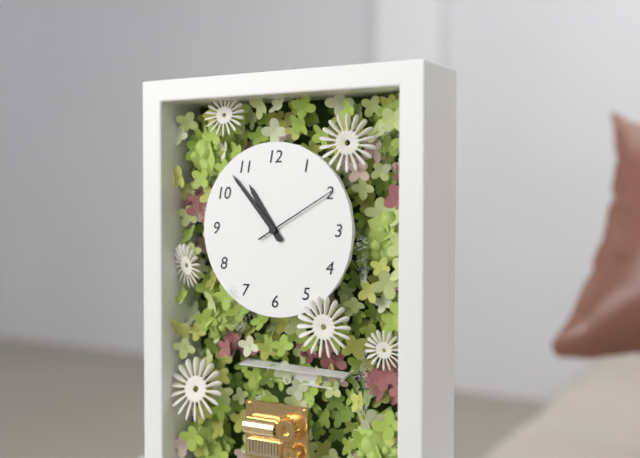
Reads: h=10 m=53 s=10
